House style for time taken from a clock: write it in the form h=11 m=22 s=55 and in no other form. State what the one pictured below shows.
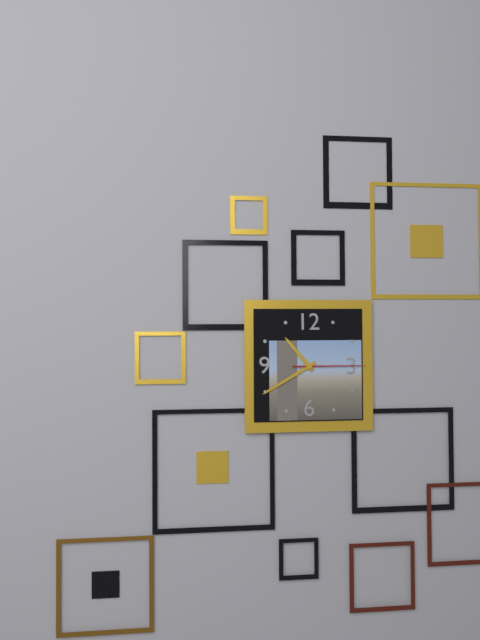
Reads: h=10 m=40 s=15
